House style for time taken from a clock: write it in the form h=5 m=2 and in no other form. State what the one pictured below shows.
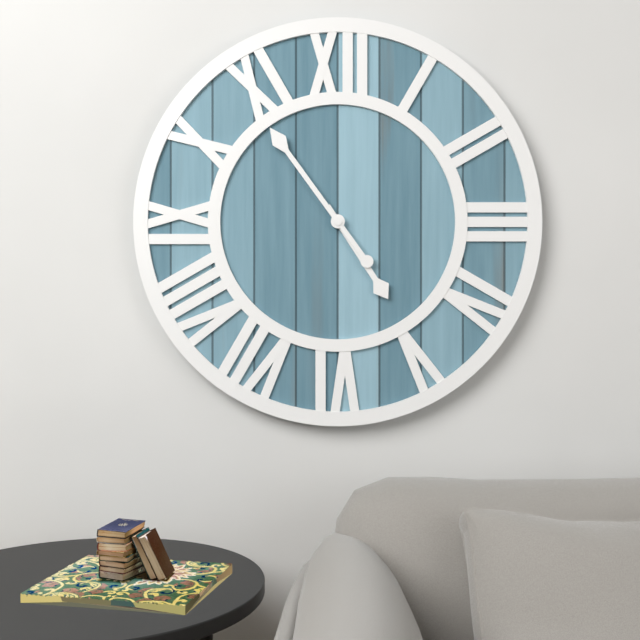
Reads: h=4 m=54
